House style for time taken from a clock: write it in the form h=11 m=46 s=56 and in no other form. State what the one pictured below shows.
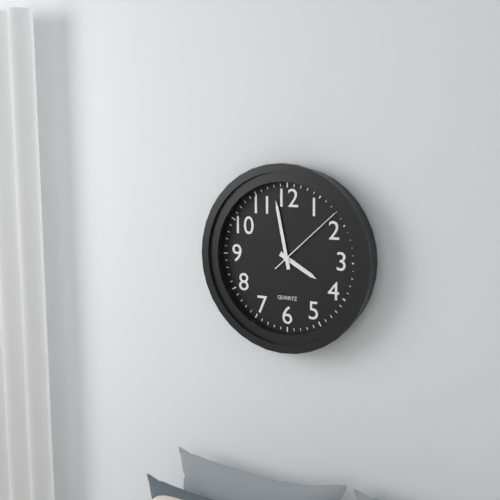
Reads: h=3 m=58 s=8
